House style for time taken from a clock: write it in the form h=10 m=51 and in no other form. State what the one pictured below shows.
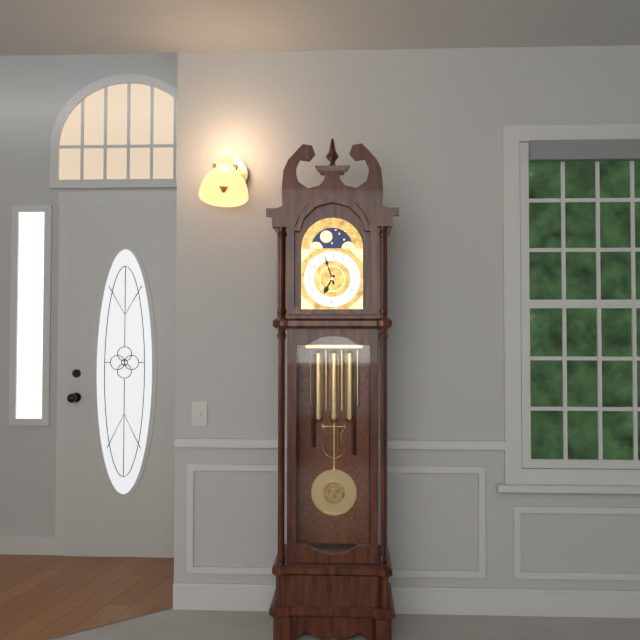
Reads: h=6 m=57
